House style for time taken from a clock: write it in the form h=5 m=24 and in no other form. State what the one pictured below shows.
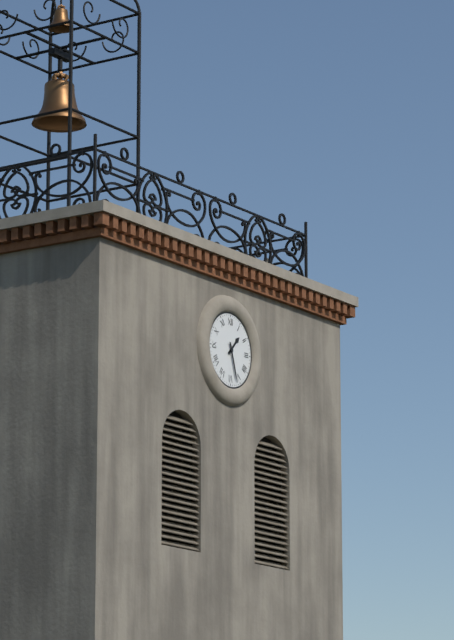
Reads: h=1 m=27
